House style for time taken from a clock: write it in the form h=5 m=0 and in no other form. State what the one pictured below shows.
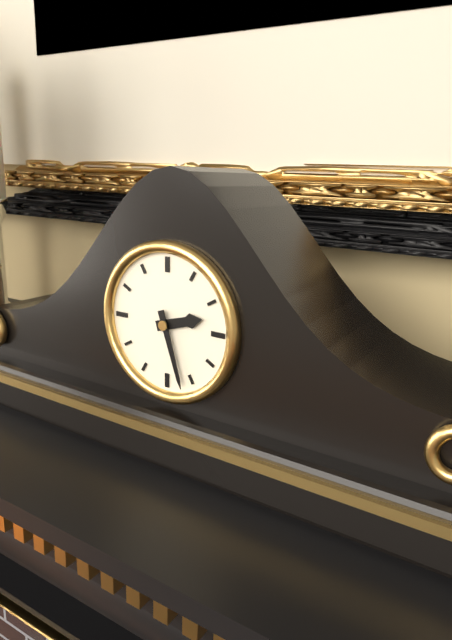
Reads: h=2 m=27
